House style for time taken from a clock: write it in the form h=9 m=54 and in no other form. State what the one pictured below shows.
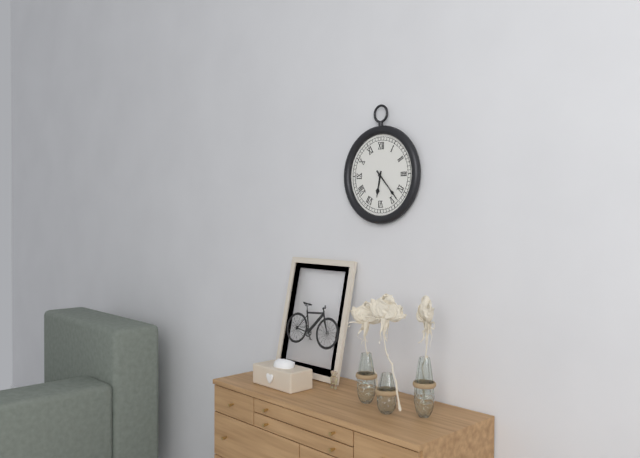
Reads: h=6 m=23
